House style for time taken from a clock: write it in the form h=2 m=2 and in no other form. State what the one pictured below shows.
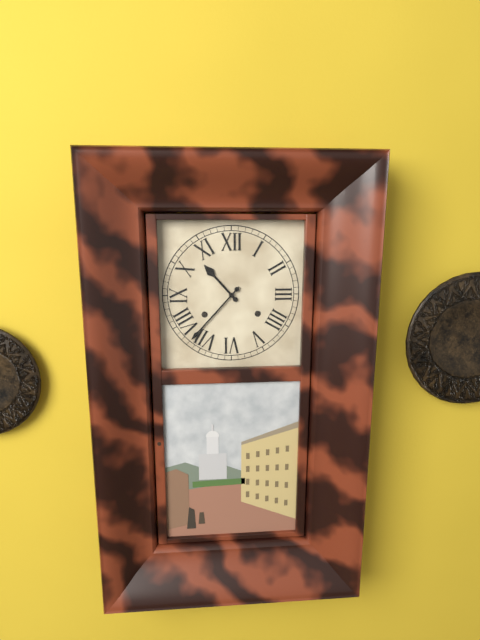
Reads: h=10 m=37
